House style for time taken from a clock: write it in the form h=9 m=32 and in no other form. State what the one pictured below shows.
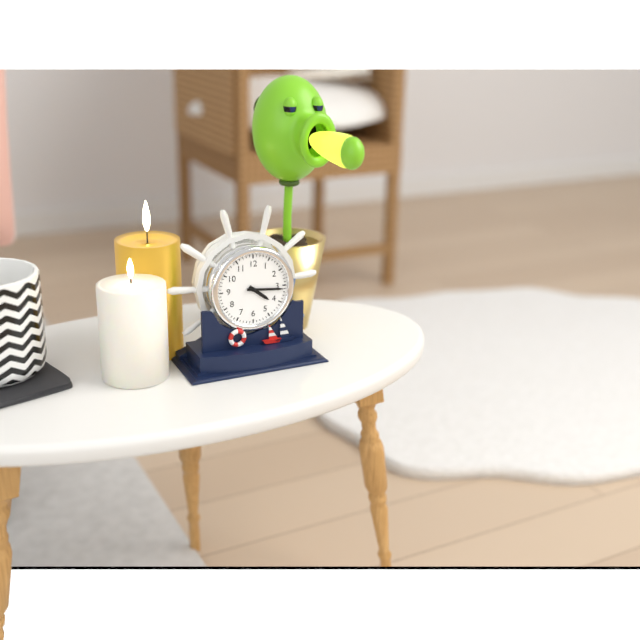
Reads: h=4 m=16
